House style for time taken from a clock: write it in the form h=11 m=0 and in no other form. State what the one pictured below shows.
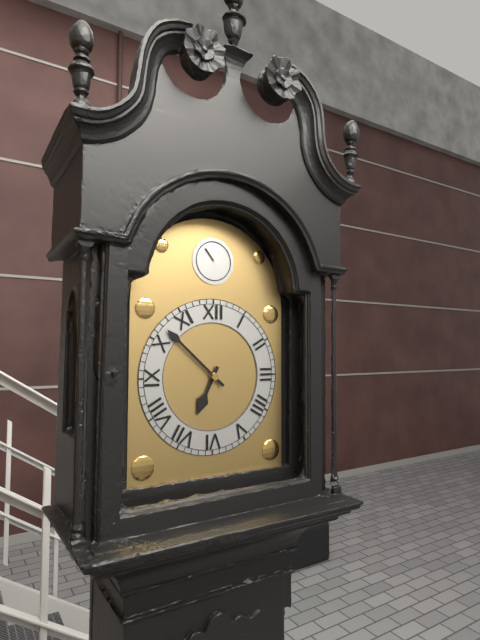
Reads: h=6 m=52
